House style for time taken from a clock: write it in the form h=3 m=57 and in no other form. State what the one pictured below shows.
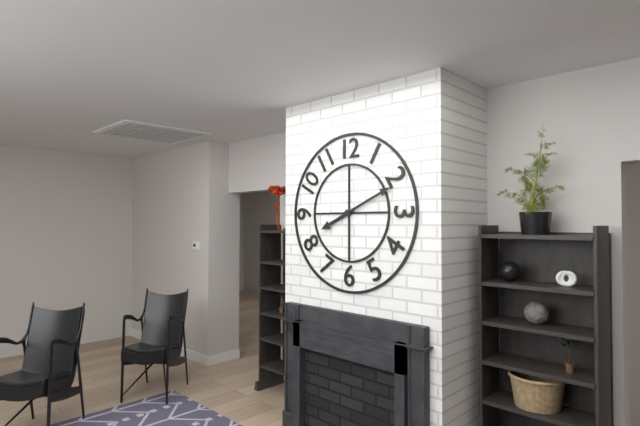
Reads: h=8 m=11
